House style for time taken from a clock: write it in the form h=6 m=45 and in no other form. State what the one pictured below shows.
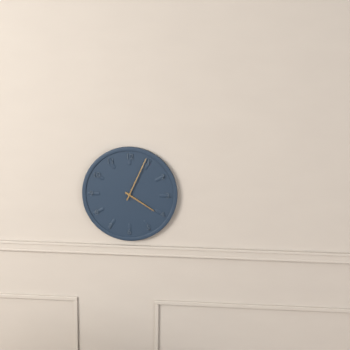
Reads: h=4 m=4
